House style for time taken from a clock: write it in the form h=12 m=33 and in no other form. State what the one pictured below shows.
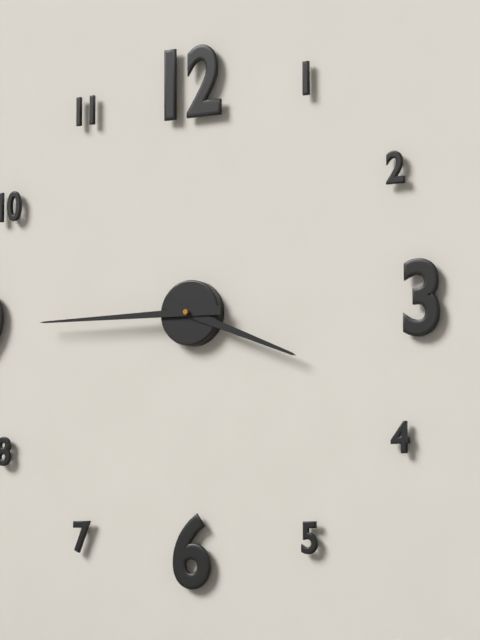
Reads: h=3 m=45
